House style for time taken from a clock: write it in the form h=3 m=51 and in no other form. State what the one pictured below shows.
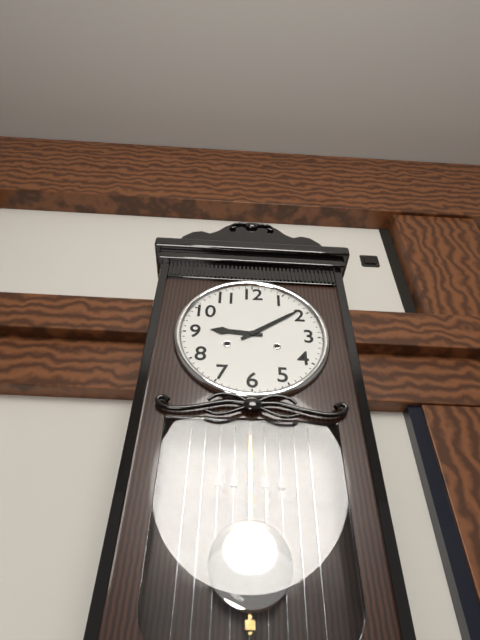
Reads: h=9 m=9
